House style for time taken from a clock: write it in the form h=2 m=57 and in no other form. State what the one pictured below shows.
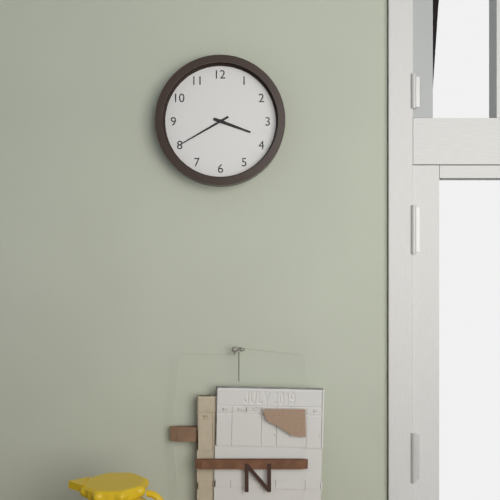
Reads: h=3 m=40
